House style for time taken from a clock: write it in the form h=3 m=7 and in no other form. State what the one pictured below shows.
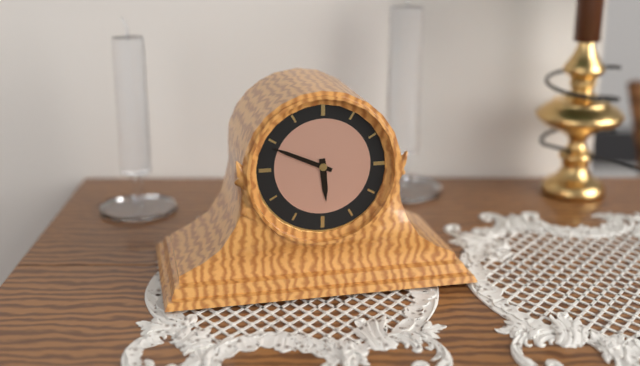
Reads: h=5 m=49
